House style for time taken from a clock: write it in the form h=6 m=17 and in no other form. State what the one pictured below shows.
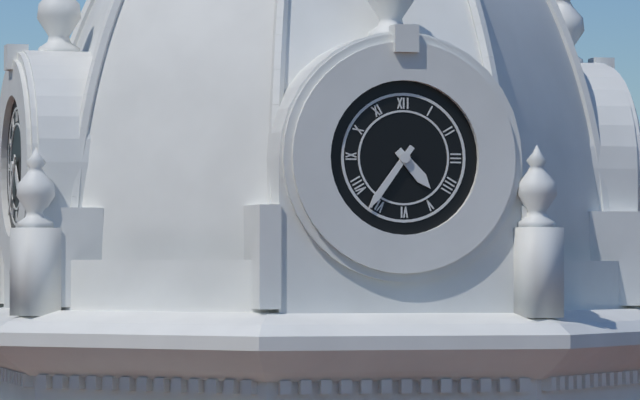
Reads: h=4 m=36
